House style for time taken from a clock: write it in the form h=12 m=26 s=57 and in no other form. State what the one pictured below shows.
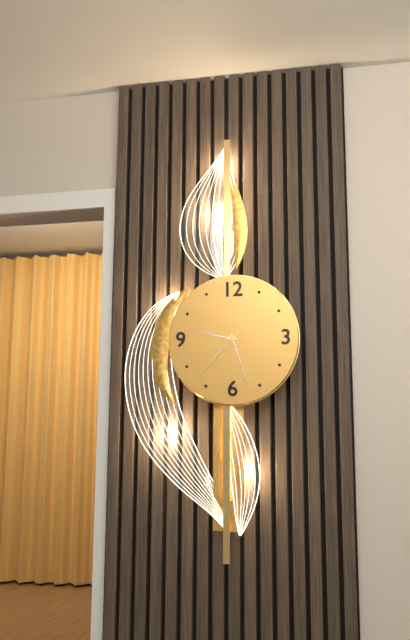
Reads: h=9 m=27 s=37
